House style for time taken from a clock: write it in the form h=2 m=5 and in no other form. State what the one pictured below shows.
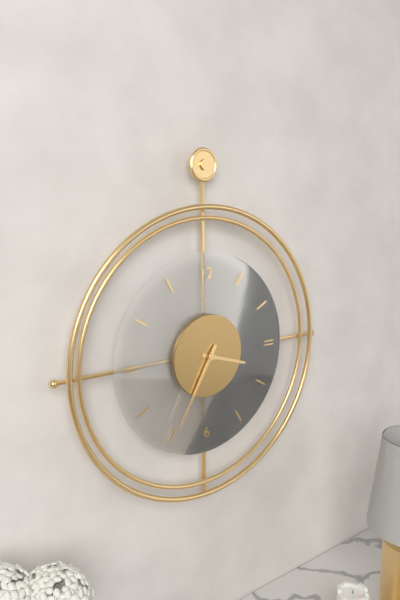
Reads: h=3 m=35
